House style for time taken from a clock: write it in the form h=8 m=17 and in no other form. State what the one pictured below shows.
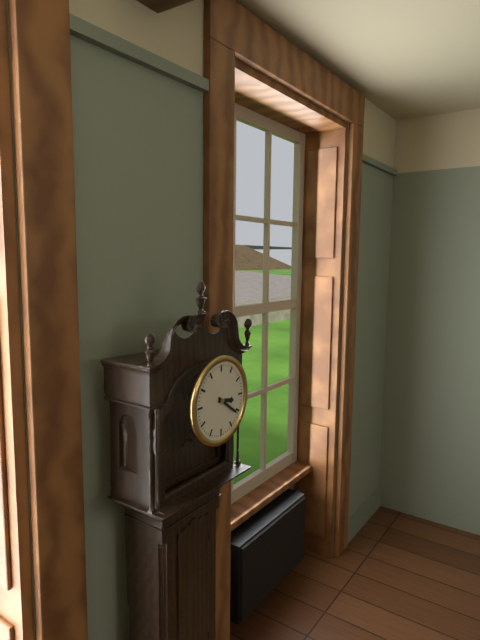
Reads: h=3 m=21
